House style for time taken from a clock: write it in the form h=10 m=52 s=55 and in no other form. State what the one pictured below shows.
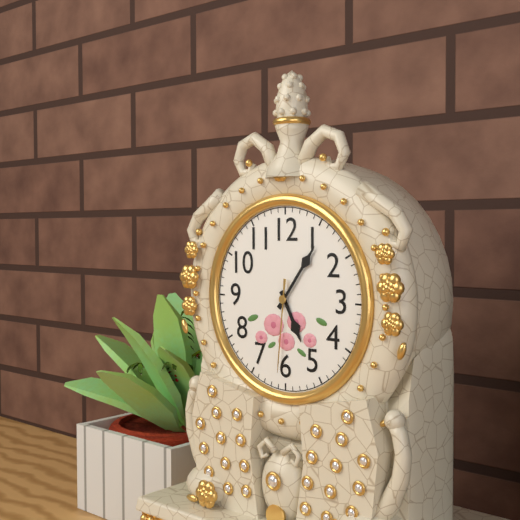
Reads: h=5 m=6 s=31
